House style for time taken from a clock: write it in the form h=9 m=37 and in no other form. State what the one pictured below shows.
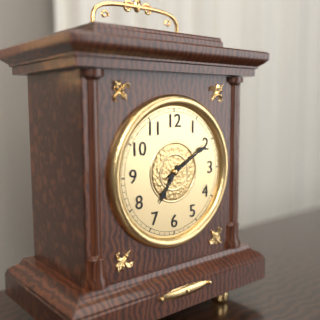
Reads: h=7 m=10
